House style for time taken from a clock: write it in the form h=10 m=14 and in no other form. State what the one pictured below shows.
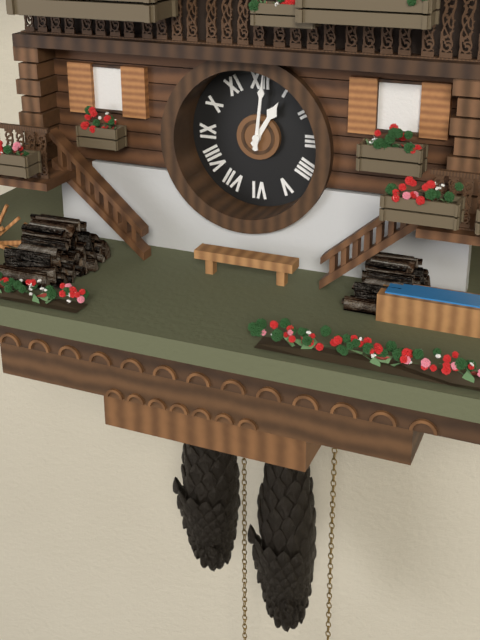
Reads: h=1 m=1
